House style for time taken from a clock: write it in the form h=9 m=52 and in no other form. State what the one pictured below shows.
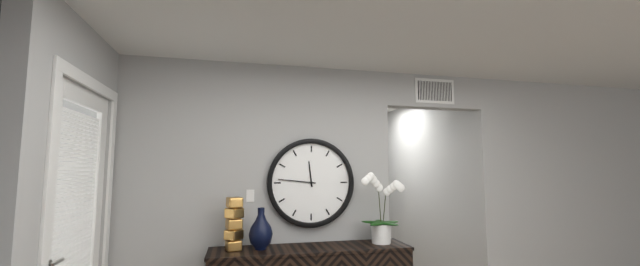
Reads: h=11 m=46
